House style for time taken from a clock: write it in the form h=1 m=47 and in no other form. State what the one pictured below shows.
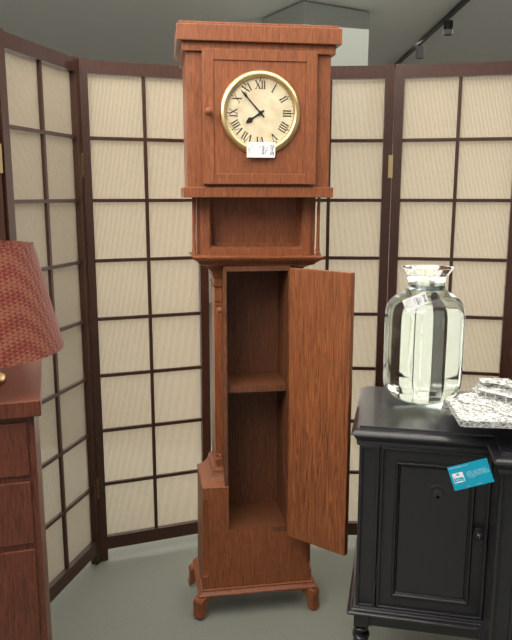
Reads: h=7 m=53
